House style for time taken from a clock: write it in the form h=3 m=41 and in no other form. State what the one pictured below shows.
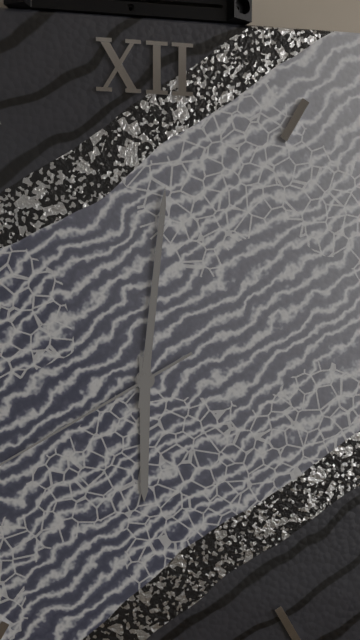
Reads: h=6 m=1
